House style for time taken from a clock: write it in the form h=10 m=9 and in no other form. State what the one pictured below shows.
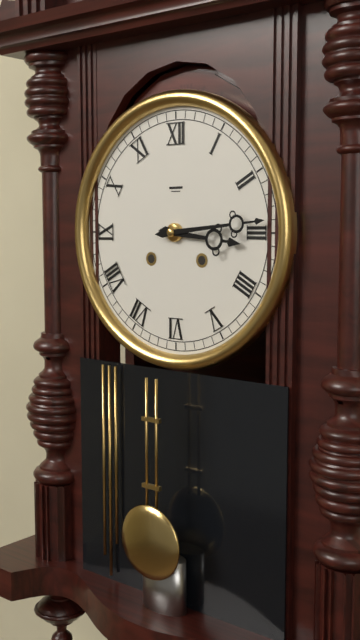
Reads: h=3 m=14
